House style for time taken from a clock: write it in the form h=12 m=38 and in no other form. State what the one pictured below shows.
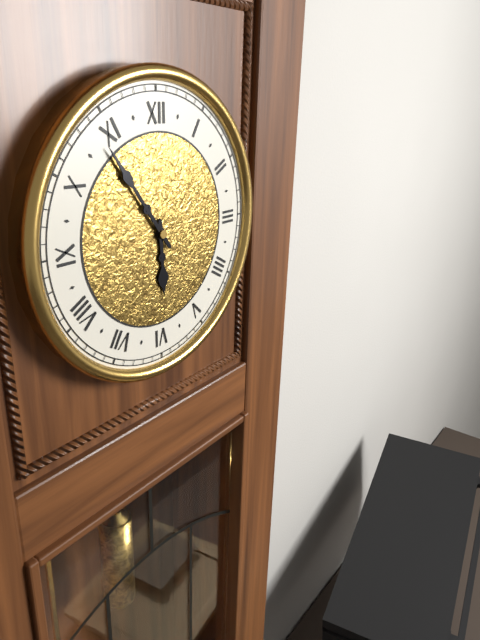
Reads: h=5 m=54
